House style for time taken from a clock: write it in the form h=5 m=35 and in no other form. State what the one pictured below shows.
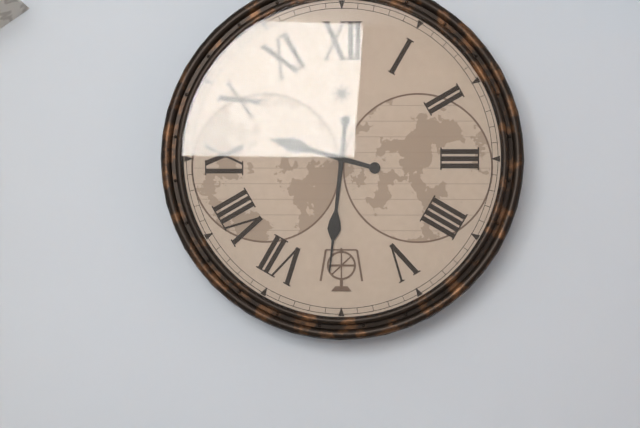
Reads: h=9 m=31
